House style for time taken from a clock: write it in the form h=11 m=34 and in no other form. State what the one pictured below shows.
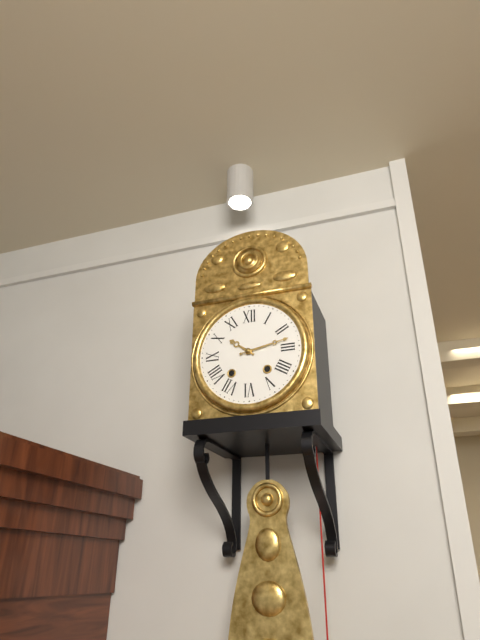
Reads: h=10 m=13
